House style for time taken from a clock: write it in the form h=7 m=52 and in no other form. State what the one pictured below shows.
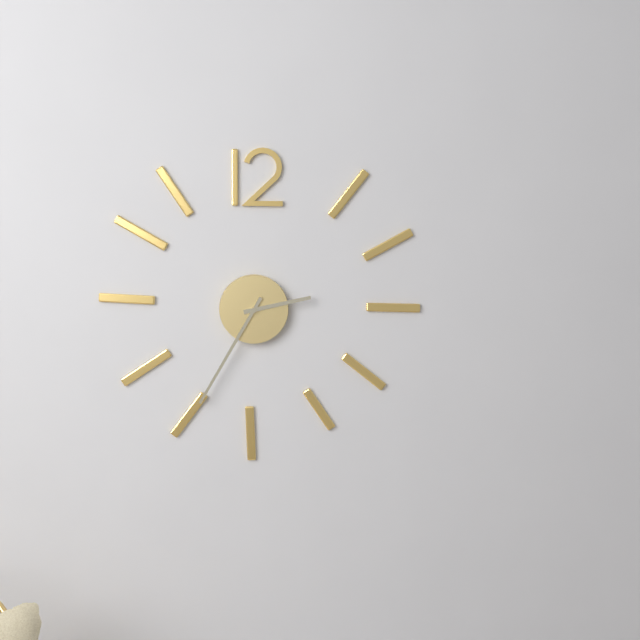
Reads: h=2 m=35
